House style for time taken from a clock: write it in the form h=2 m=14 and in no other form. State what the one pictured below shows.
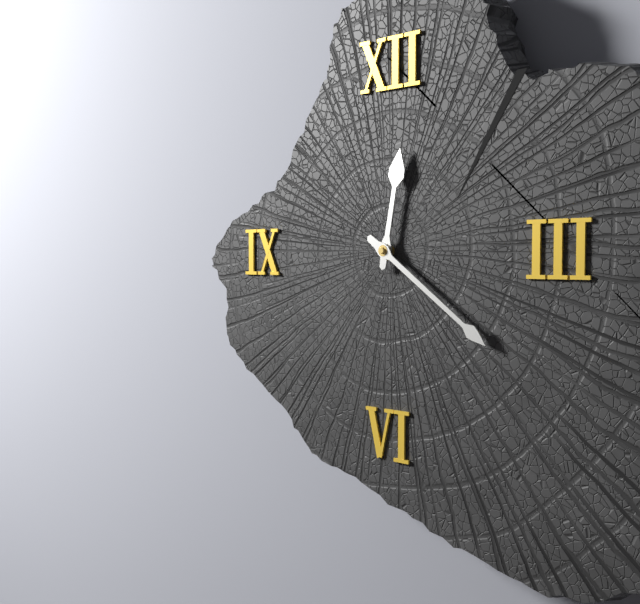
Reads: h=12 m=21
